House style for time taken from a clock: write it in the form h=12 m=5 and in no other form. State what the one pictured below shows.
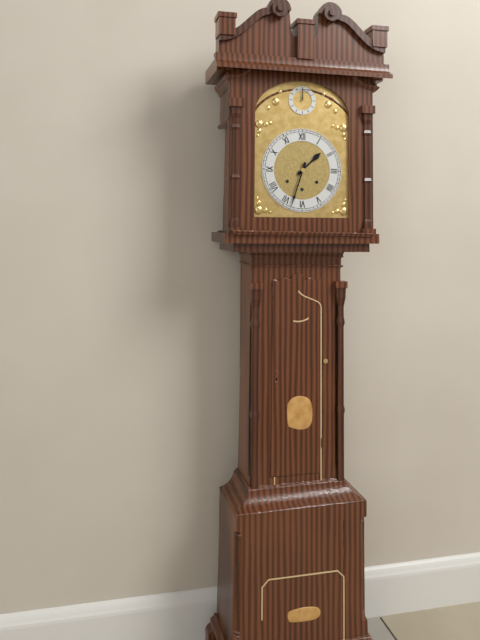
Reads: h=1 m=33
